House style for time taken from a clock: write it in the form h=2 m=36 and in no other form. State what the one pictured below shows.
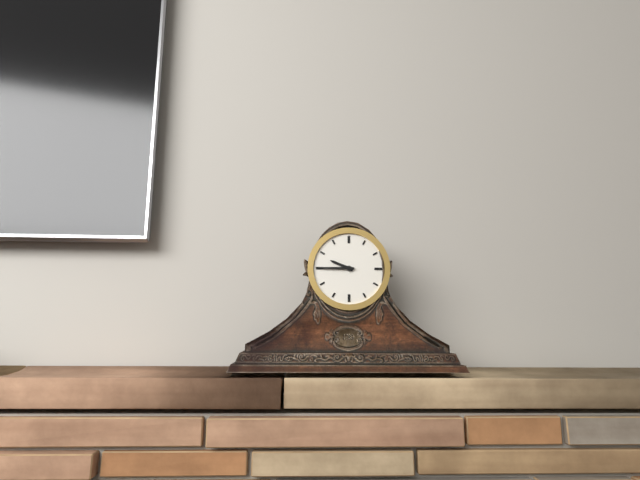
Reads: h=9 m=45
